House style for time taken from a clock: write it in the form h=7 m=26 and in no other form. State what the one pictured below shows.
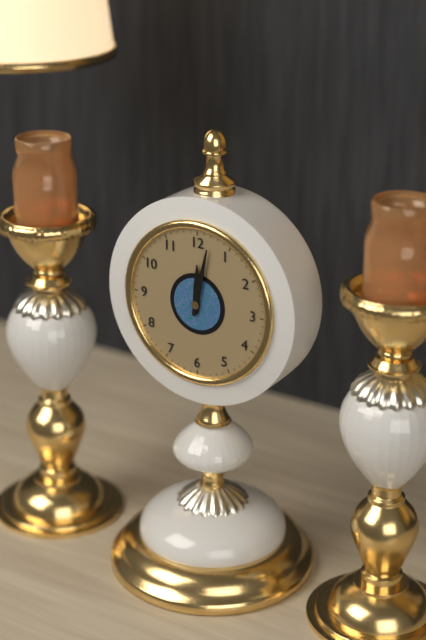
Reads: h=12 m=2
